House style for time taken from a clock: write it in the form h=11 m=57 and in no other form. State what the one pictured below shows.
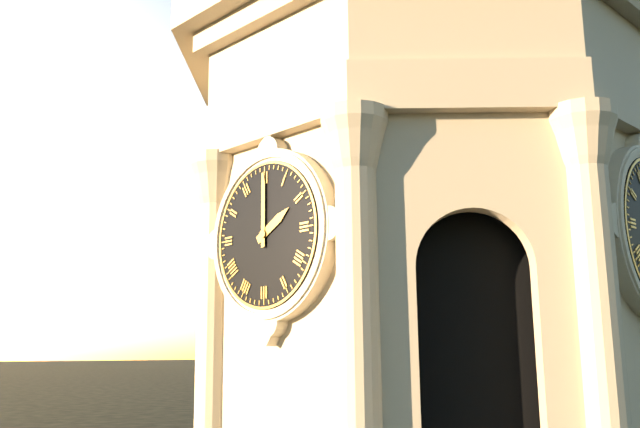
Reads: h=2 m=0
